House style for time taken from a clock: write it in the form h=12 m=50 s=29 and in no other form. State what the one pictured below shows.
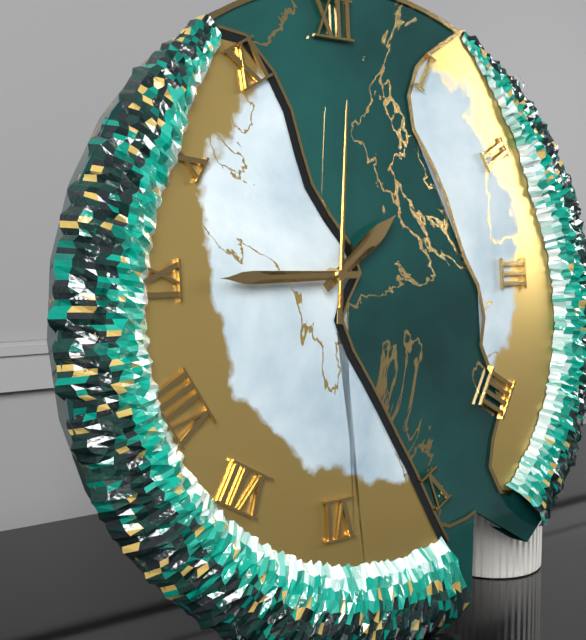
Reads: h=1 m=45 s=1
